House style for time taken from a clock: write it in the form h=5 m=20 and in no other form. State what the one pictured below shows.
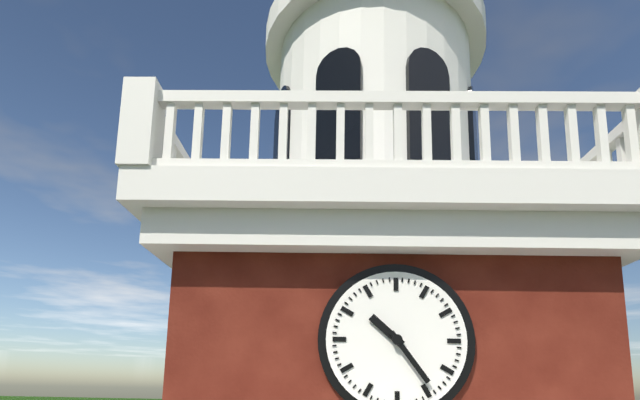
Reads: h=10 m=24
